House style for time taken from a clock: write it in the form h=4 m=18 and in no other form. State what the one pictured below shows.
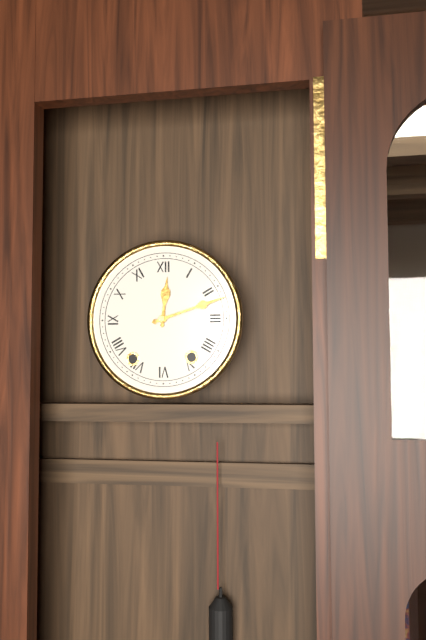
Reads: h=12 m=12
